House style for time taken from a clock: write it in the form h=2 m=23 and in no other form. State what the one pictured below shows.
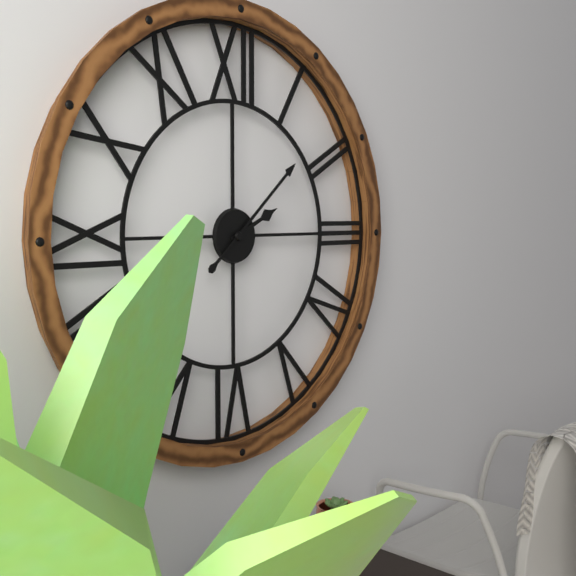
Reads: h=2 m=8
